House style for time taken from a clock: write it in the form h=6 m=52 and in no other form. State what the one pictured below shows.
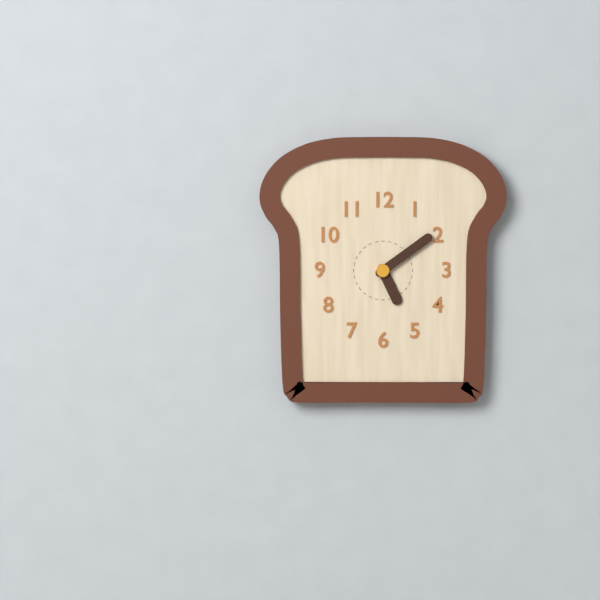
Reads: h=5 m=9
